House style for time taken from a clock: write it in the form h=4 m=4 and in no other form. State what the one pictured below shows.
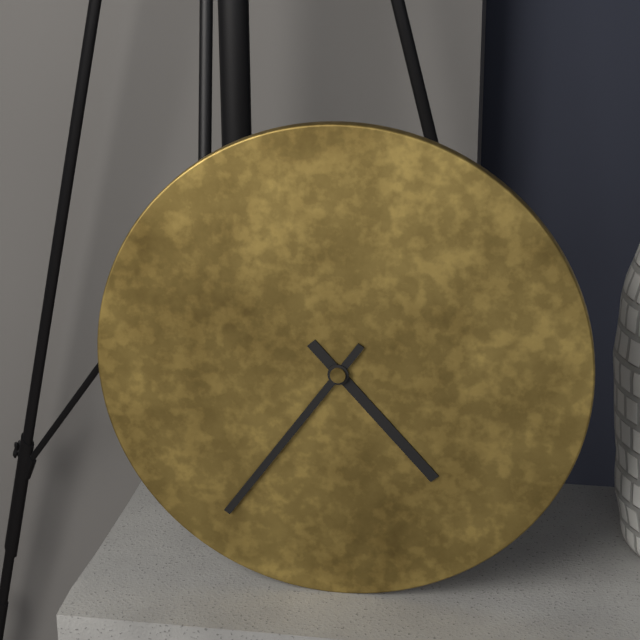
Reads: h=4 m=36
